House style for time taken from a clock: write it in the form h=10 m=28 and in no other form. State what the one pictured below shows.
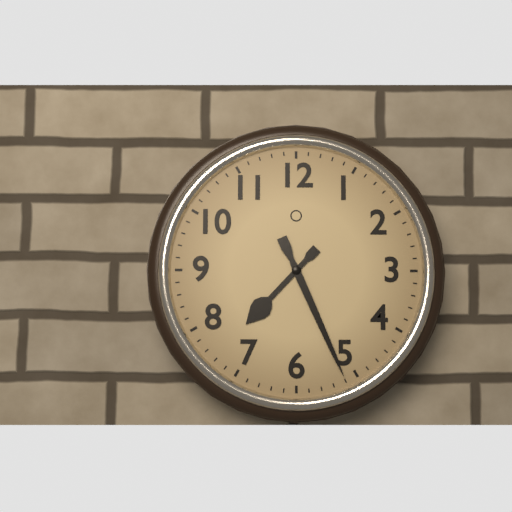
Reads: h=7 m=26
